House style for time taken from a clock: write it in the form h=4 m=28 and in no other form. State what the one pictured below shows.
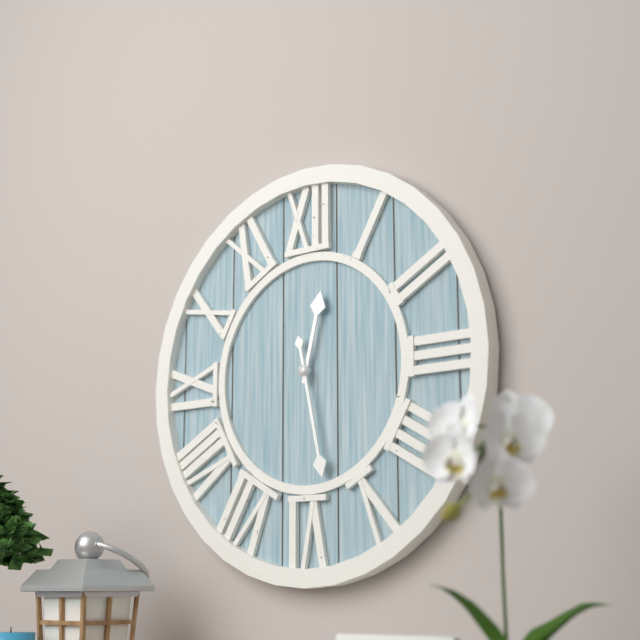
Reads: h=12 m=28
